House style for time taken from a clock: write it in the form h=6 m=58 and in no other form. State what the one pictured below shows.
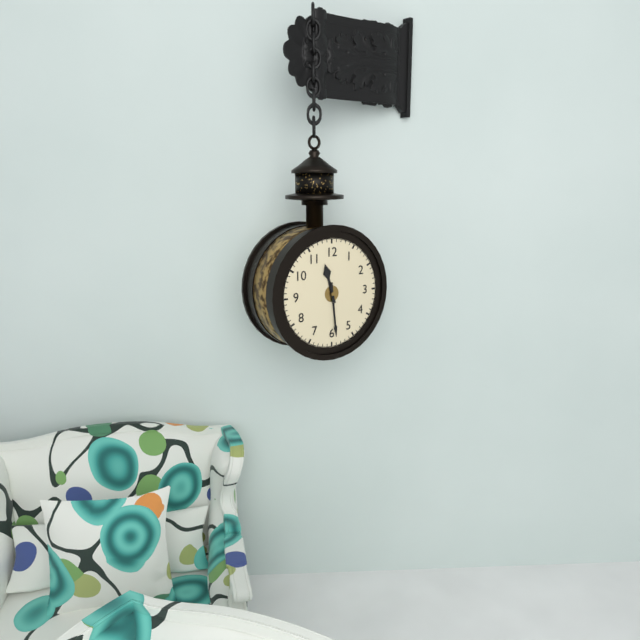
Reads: h=11 m=29
